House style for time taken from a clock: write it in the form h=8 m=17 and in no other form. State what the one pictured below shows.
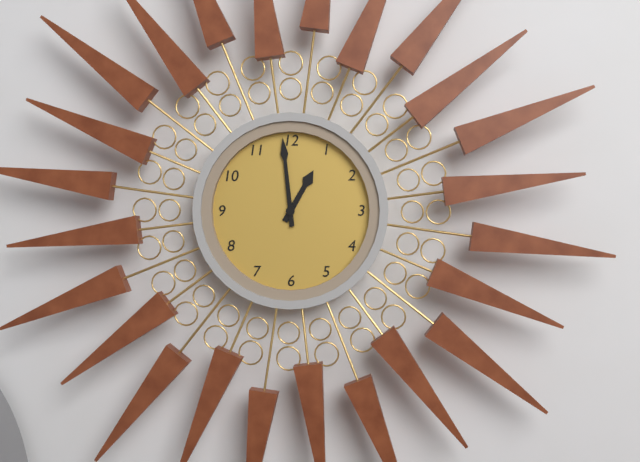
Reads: h=12 m=59
